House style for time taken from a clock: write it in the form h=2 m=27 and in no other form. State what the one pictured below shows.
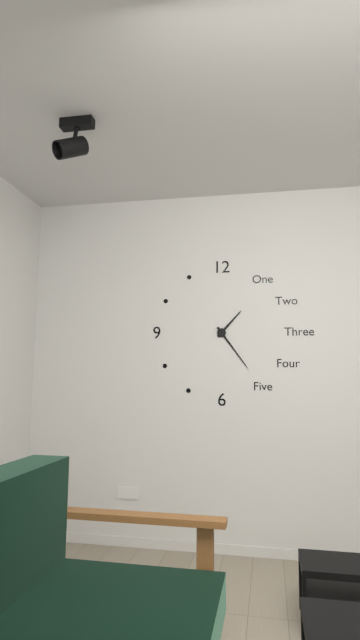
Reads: h=1 m=24
